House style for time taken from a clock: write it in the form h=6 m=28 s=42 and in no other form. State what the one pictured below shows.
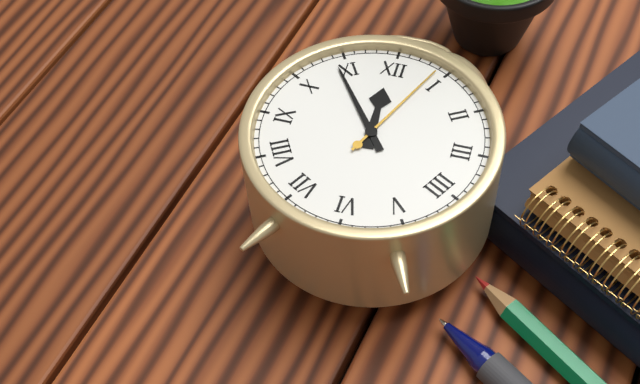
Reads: h=11 m=54 s=4
